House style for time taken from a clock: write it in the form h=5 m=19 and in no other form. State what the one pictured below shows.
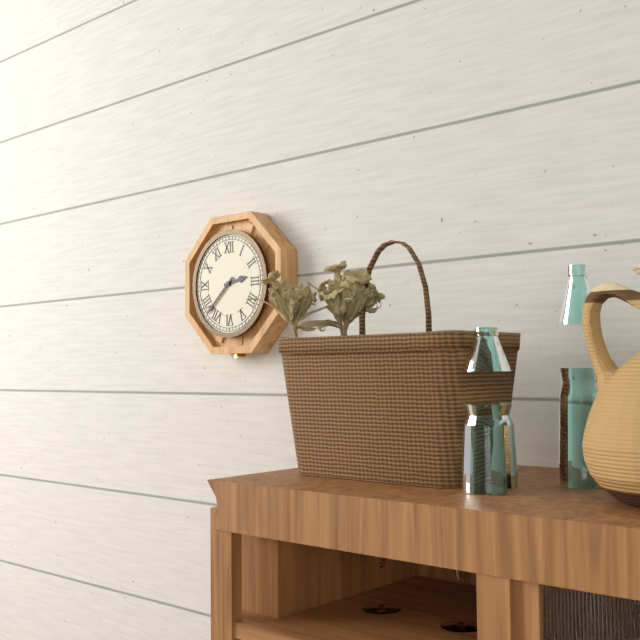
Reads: h=2 m=38
